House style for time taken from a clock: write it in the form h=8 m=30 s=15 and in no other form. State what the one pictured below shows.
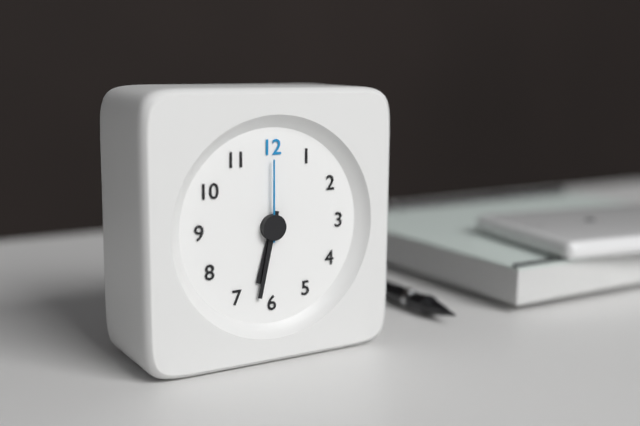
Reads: h=6 m=32 s=0
